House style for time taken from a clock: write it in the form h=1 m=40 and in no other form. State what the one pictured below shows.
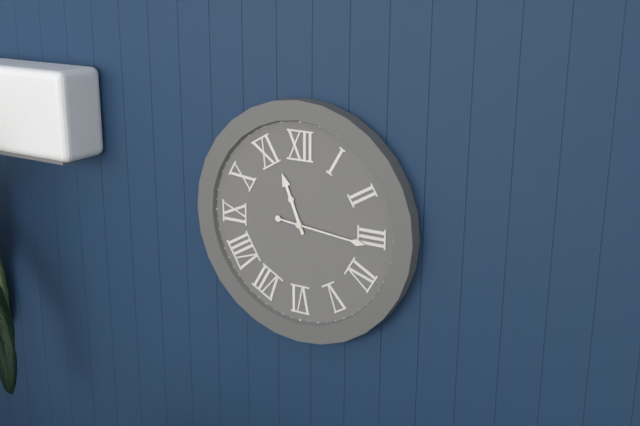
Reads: h=11 m=16
